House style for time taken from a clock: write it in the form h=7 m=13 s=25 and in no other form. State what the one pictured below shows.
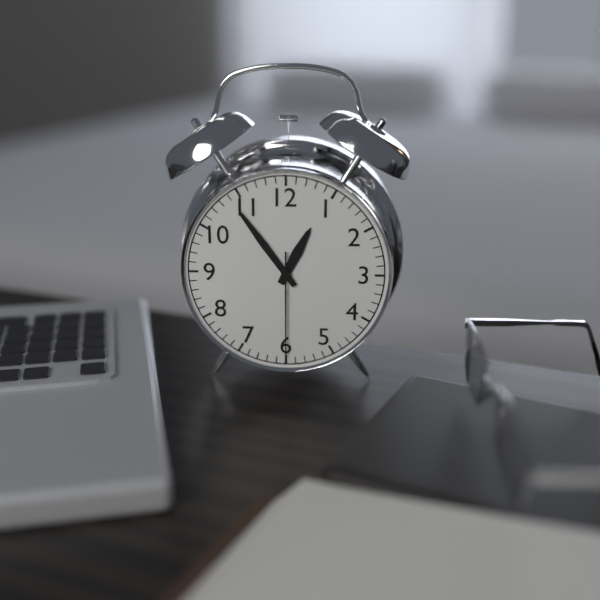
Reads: h=12 m=54 s=30
